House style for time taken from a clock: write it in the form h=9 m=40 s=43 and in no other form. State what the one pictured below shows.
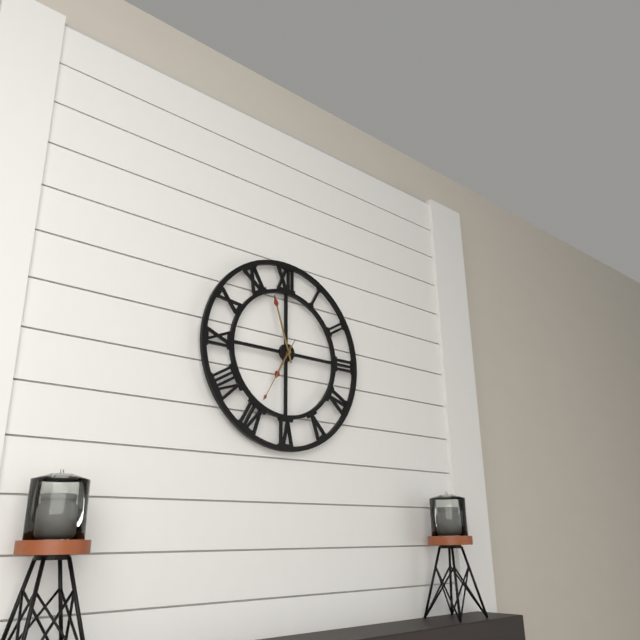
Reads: h=6 m=57 s=35
